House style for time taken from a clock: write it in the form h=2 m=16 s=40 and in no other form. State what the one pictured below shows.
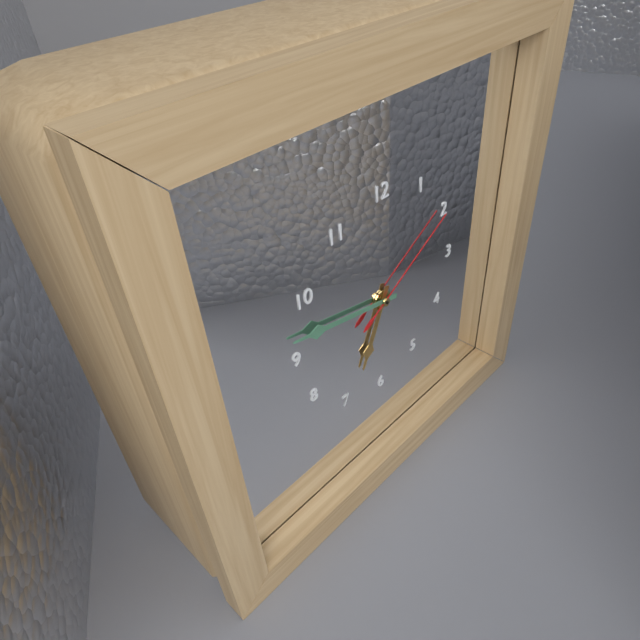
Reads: h=6 m=47 s=10
